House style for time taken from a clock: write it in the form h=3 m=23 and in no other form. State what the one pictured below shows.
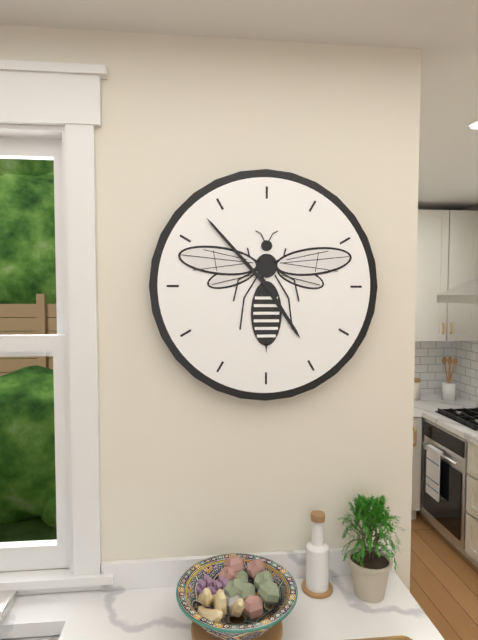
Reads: h=4 m=53
